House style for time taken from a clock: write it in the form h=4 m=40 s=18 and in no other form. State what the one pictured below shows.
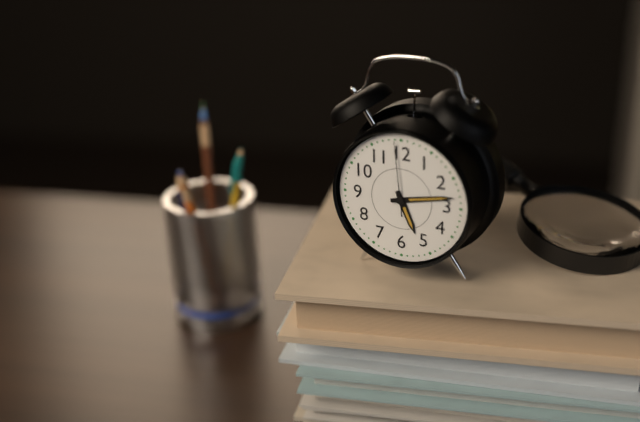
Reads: h=5 m=13 s=59
